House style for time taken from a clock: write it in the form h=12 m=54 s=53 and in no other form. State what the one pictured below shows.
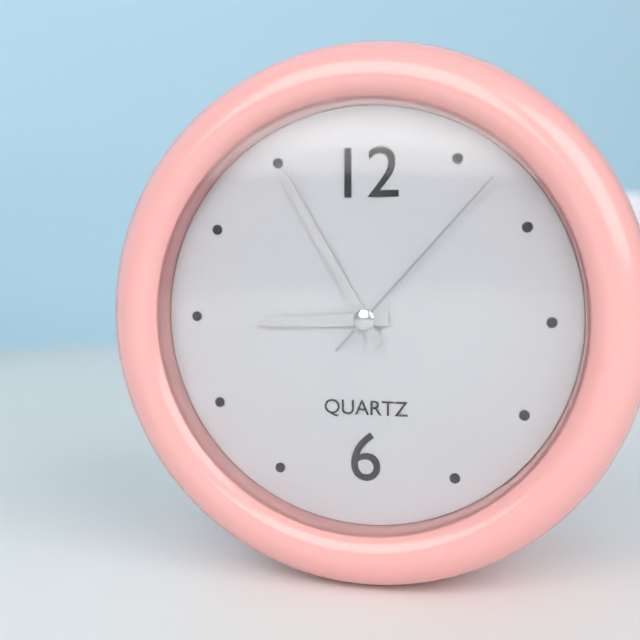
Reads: h=8 m=55 s=7
